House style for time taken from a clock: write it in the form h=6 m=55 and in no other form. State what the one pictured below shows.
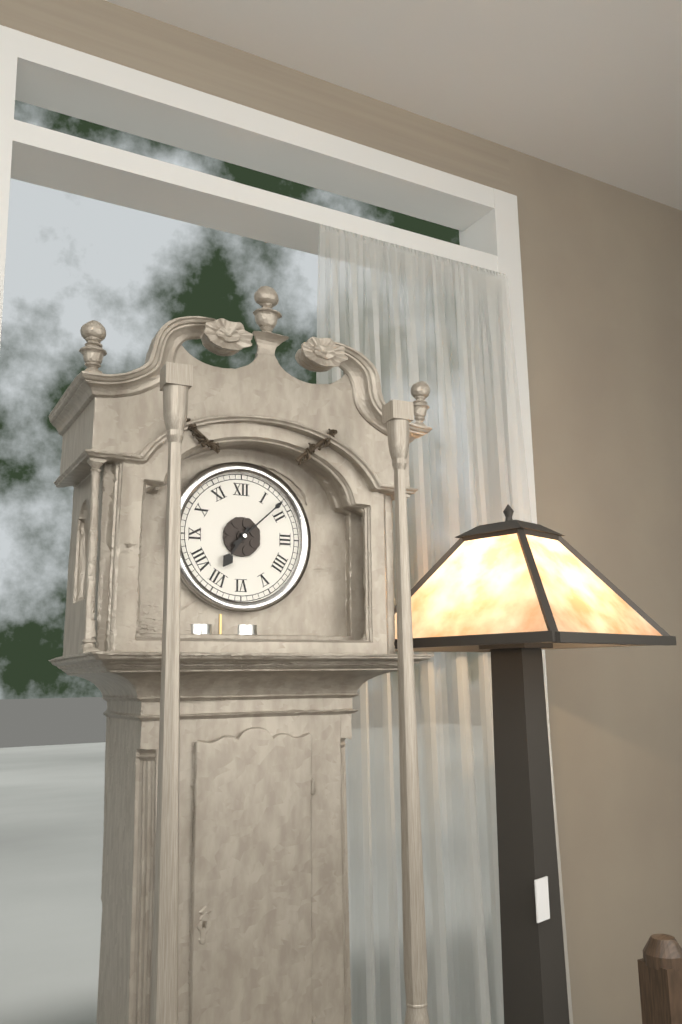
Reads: h=7 m=8
